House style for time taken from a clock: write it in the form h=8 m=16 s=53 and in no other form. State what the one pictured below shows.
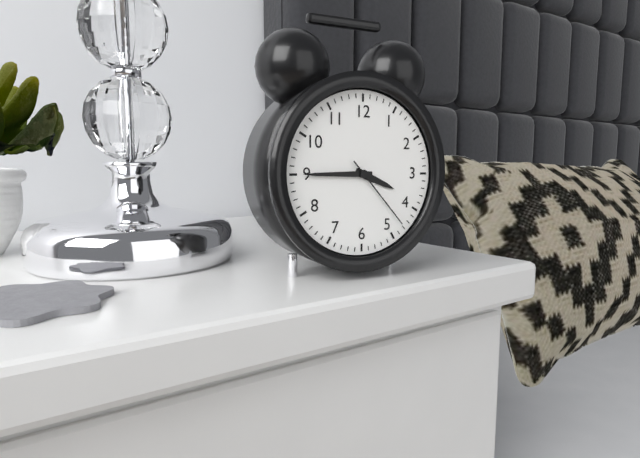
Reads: h=3 m=45 s=23
